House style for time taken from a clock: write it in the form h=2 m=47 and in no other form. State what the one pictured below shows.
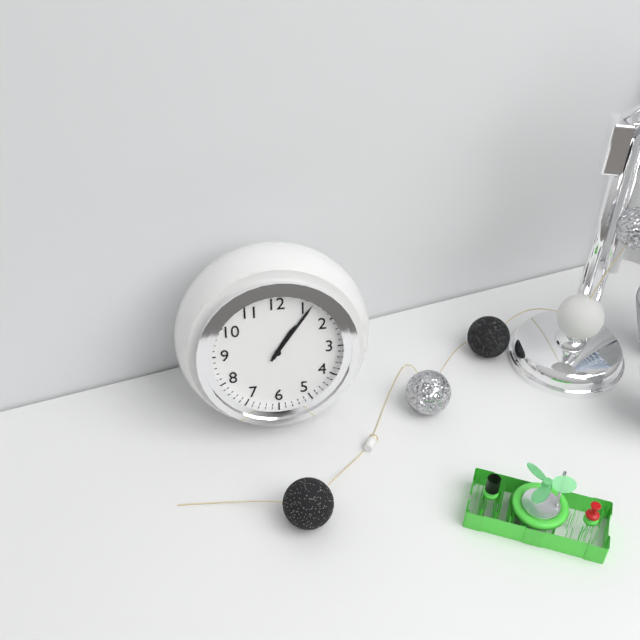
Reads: h=1 m=6
